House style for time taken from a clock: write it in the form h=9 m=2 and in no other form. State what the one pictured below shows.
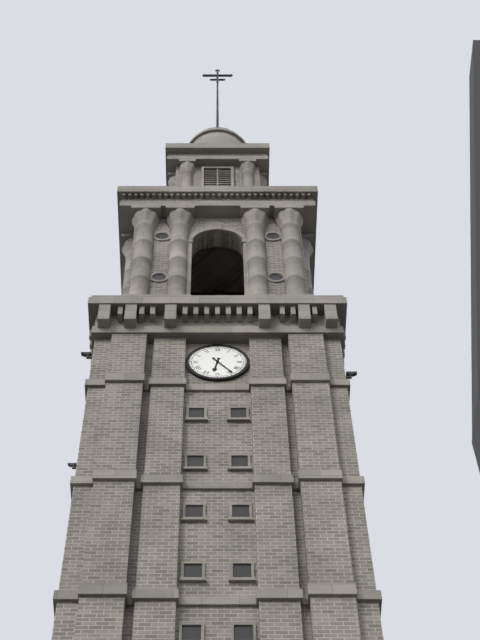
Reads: h=6 m=24
